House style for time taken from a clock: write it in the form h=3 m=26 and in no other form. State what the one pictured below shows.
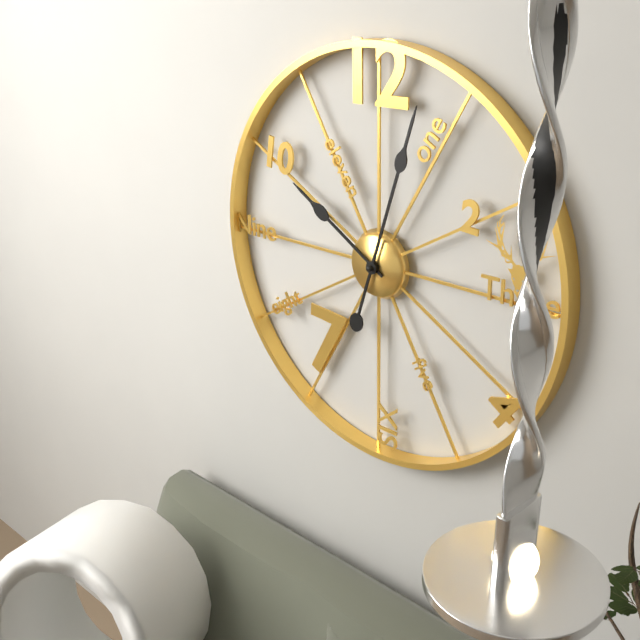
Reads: h=10 m=3
